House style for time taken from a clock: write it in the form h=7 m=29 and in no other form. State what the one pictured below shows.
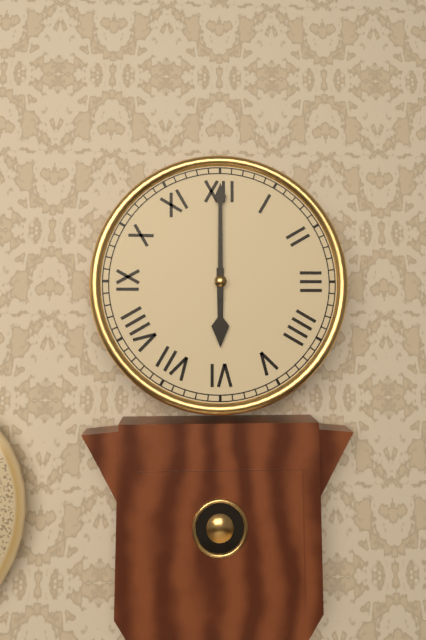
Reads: h=6 m=0
